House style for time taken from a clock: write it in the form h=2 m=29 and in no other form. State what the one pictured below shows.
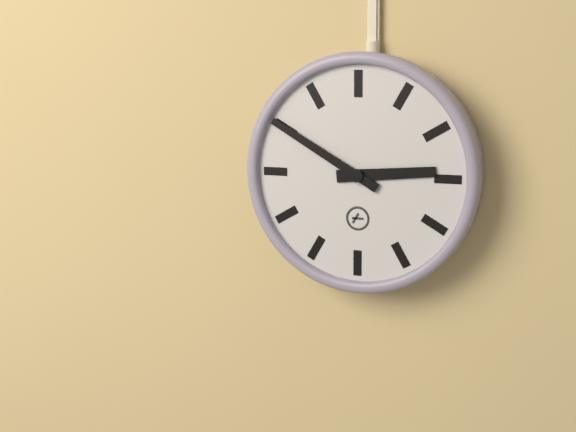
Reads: h=2 m=50
